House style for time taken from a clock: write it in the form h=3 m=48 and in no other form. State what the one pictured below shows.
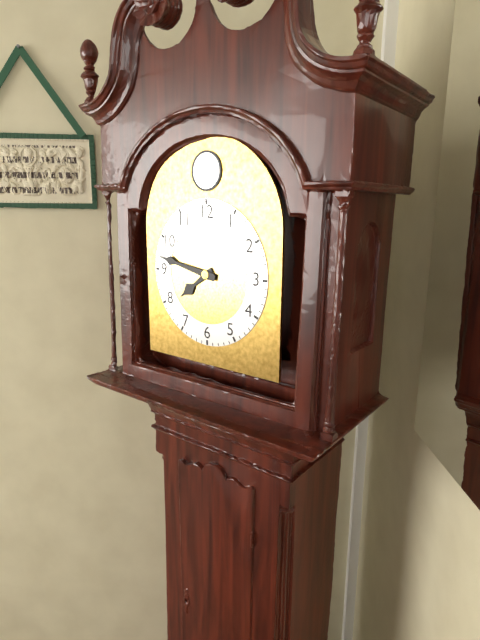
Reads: h=7 m=47
